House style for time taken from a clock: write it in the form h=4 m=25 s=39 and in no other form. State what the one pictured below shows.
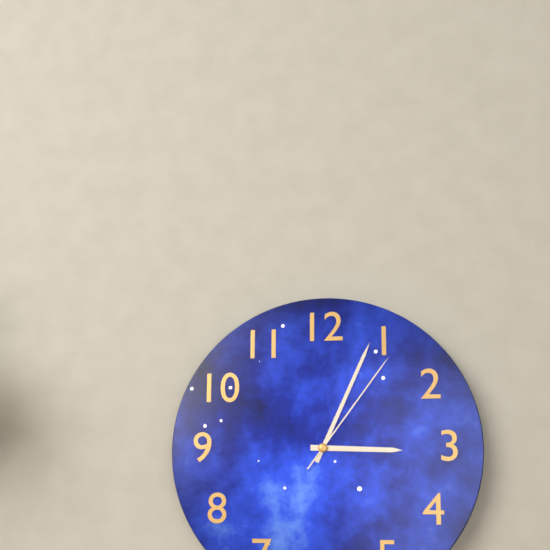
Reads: h=3 m=4 s=6
